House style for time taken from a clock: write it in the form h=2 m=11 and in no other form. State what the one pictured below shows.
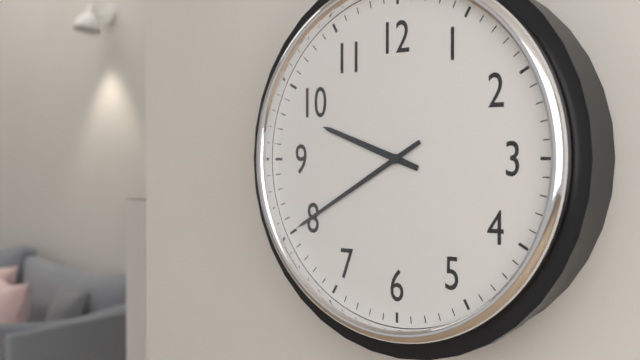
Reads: h=9 m=40
